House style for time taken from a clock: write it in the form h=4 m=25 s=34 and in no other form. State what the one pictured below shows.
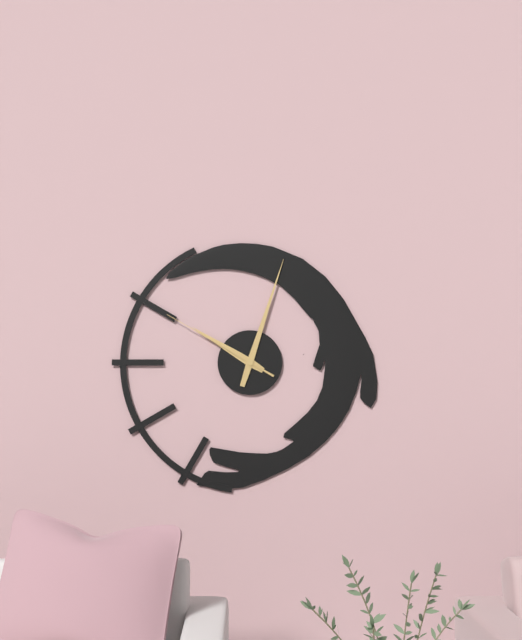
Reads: h=10 m=3 s=50
